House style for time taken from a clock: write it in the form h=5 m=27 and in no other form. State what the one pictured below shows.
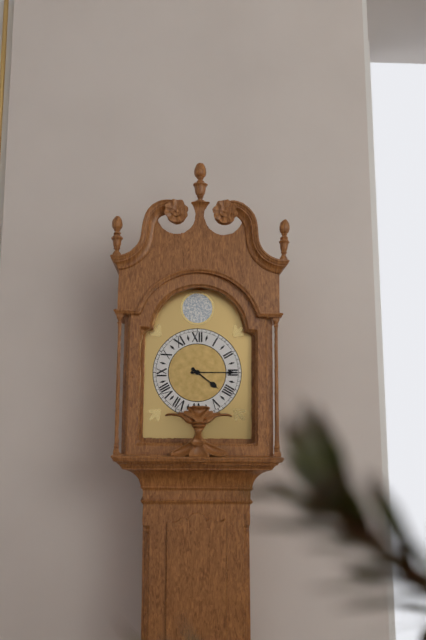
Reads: h=4 m=15
